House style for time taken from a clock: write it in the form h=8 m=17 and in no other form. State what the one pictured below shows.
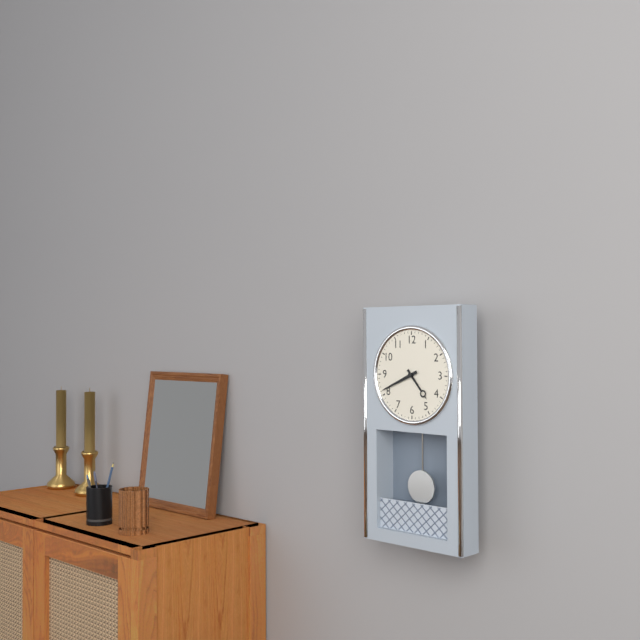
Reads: h=4 m=41
